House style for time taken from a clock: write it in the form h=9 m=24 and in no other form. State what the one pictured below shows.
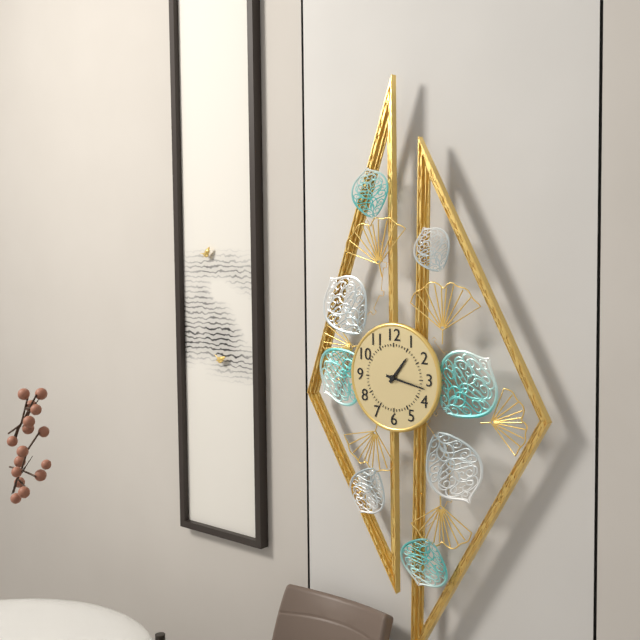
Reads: h=1 m=17
